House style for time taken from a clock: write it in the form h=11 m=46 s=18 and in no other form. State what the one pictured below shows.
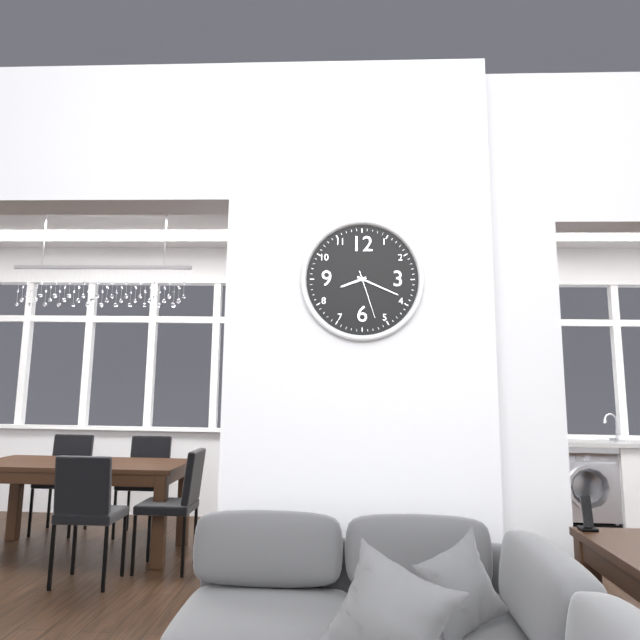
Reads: h=8 m=19 s=27
